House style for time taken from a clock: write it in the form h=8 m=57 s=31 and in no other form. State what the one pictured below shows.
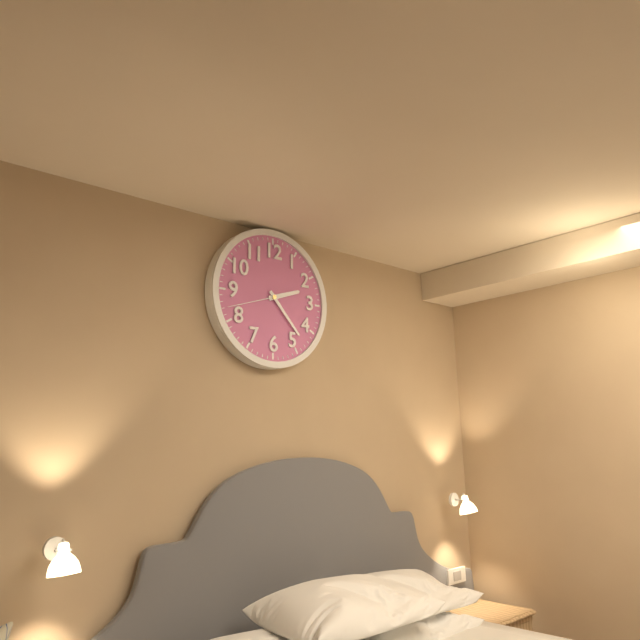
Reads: h=2 m=23 s=42
